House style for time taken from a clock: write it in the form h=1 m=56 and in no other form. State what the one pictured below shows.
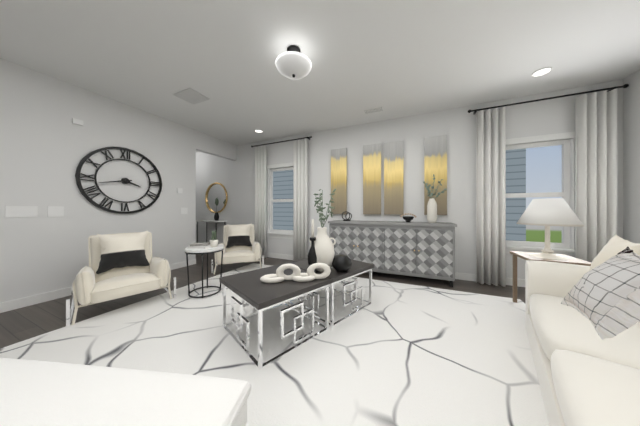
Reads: h=3 m=43
